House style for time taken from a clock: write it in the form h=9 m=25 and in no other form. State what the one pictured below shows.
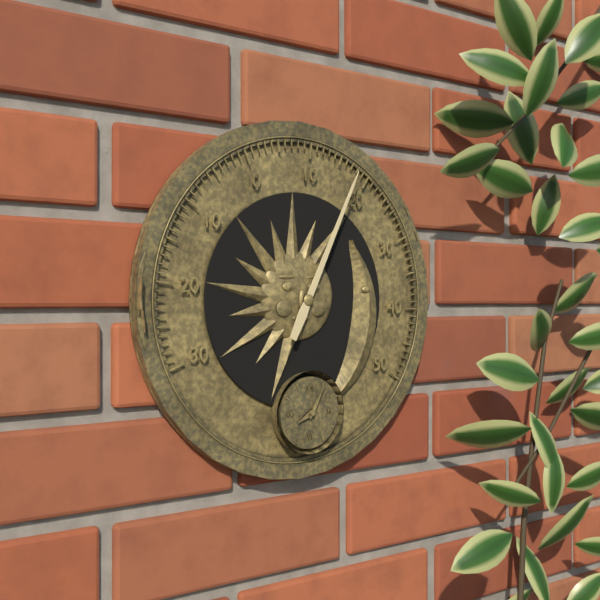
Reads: h=8 m=5
